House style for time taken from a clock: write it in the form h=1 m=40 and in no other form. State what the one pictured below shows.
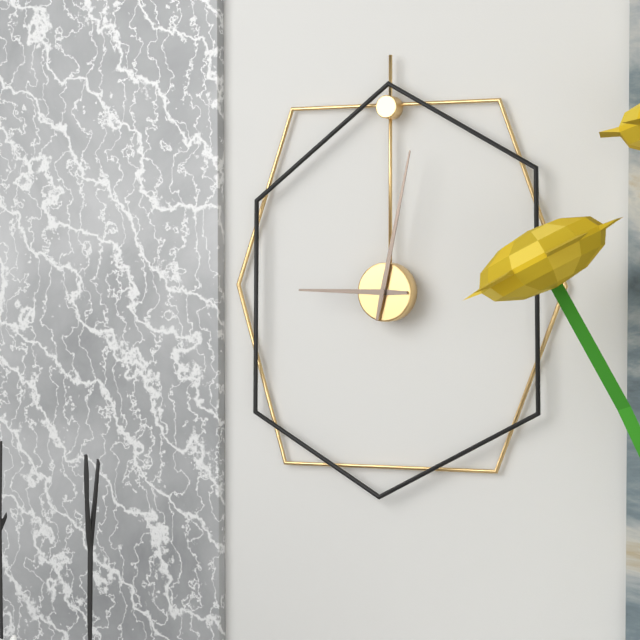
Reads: h=9 m=2
